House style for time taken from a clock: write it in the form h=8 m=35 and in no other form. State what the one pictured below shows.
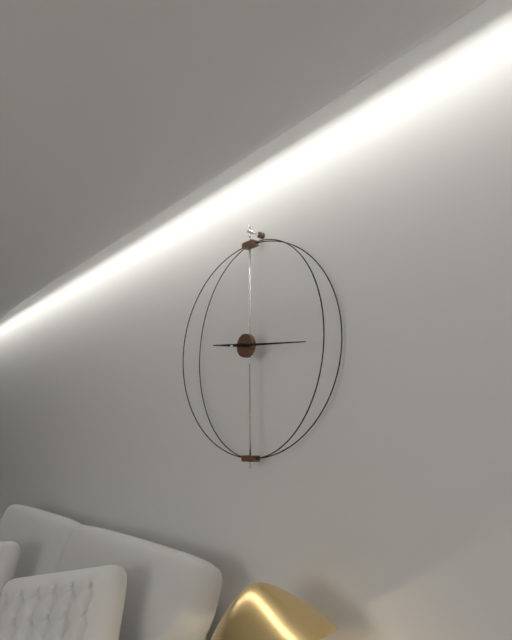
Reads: h=9 m=16
